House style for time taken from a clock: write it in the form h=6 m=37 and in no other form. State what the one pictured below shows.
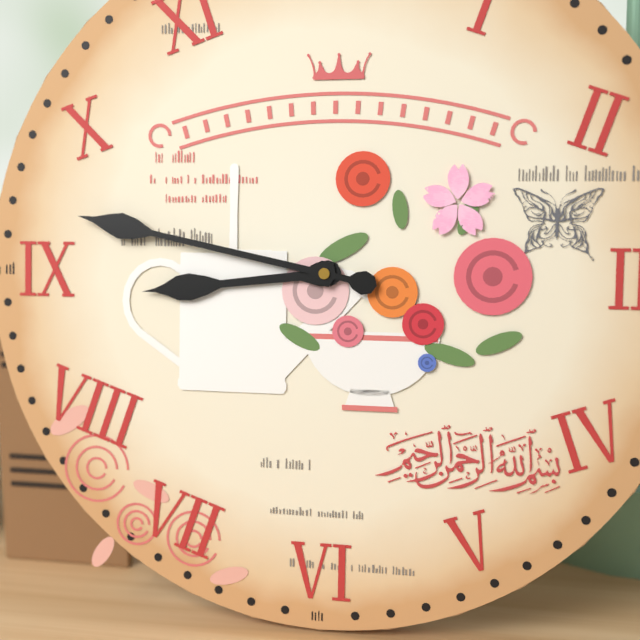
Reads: h=8 m=47
